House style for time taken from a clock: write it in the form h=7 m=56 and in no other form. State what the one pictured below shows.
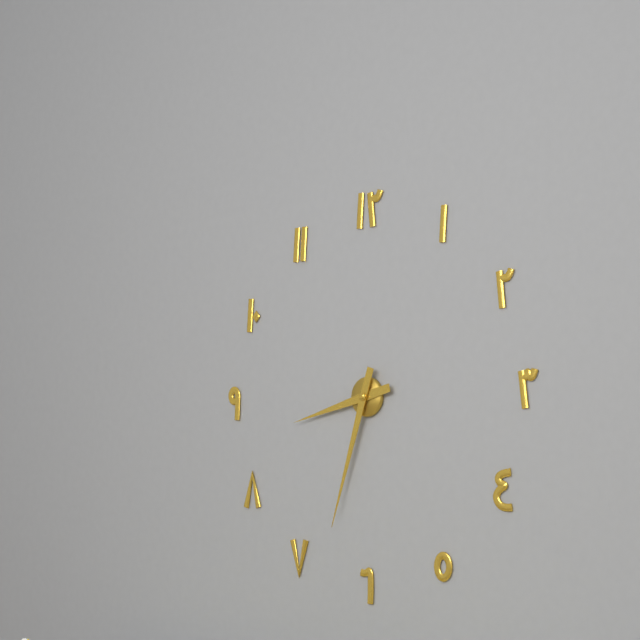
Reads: h=8 m=33
